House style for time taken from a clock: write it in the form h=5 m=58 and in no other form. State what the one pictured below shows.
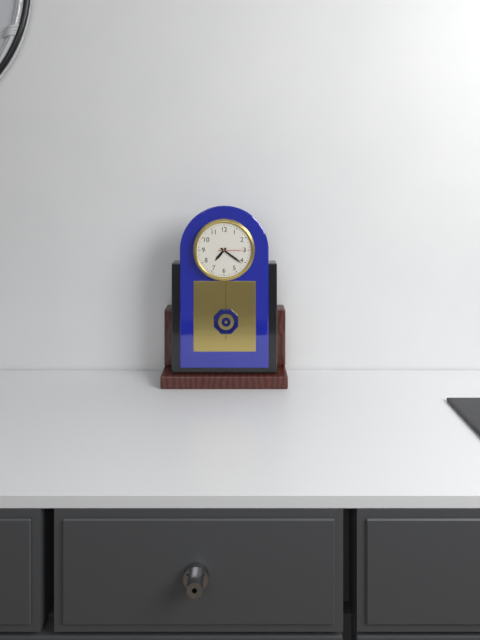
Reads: h=7 m=21
